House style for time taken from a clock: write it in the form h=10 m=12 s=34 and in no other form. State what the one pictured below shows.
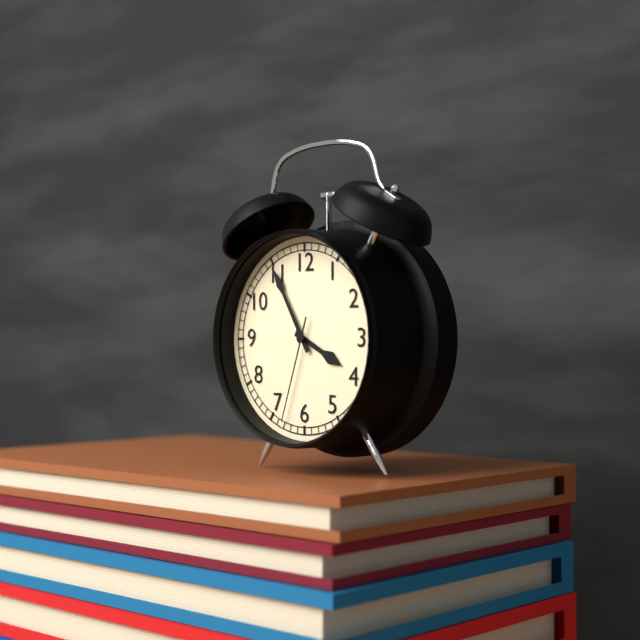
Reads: h=3 m=55 s=33
